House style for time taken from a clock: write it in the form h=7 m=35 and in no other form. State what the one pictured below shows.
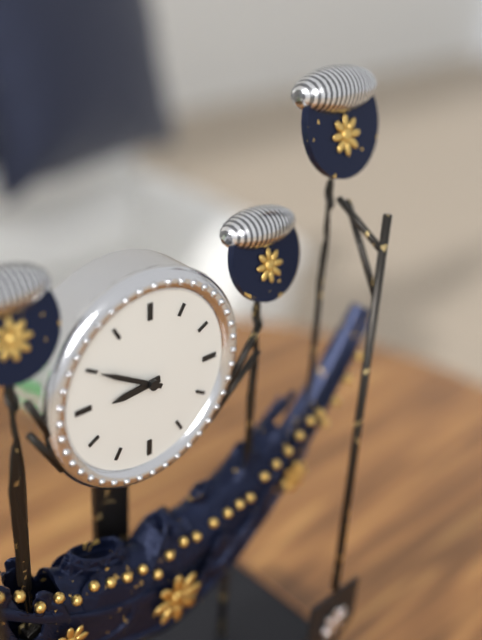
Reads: h=8 m=50
